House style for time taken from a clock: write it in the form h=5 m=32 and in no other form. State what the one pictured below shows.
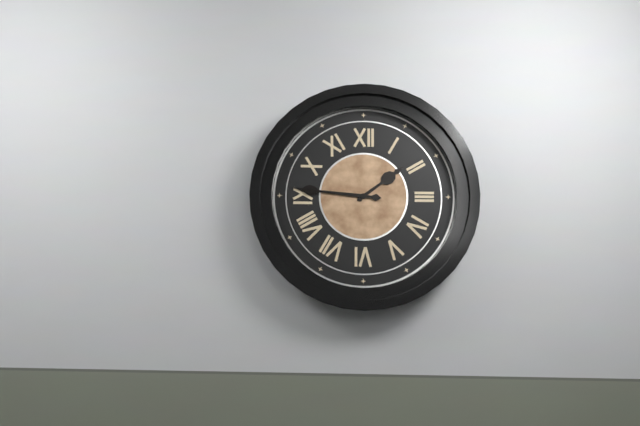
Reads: h=1 m=46
